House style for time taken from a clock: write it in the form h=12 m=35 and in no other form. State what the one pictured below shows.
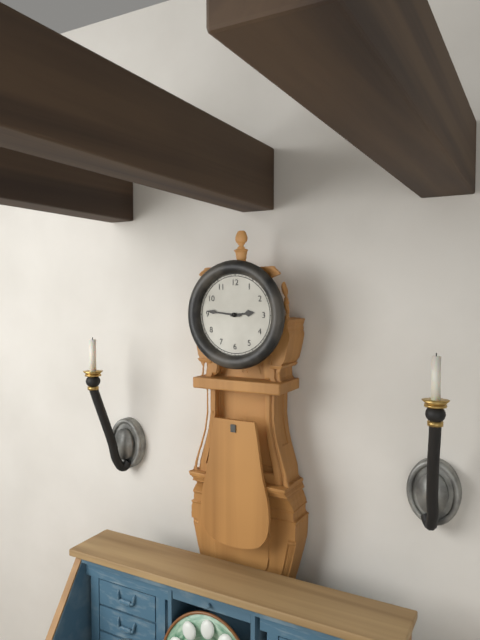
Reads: h=2 m=46
